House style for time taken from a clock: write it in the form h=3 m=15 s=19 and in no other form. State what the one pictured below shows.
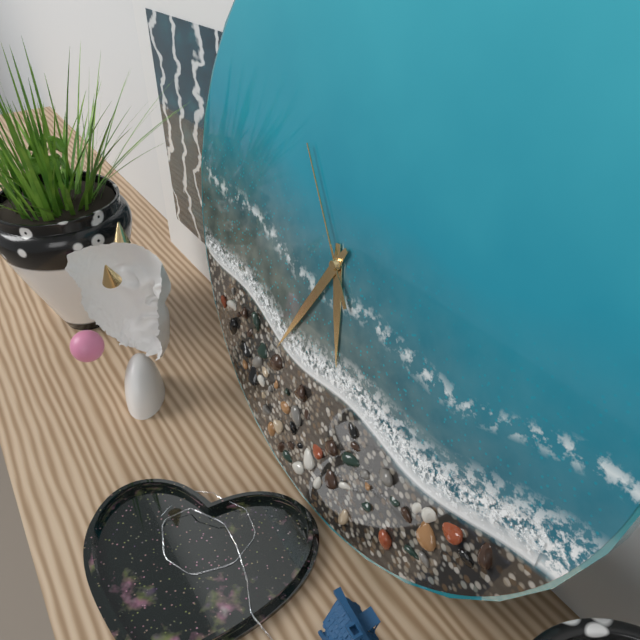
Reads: h=5 m=35 s=54
